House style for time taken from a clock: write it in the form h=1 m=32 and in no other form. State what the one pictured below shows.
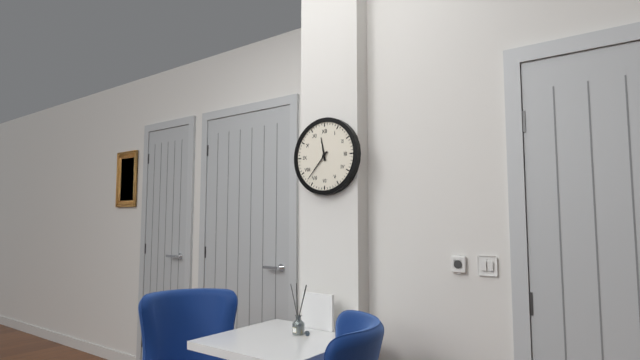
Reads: h=11 m=37
